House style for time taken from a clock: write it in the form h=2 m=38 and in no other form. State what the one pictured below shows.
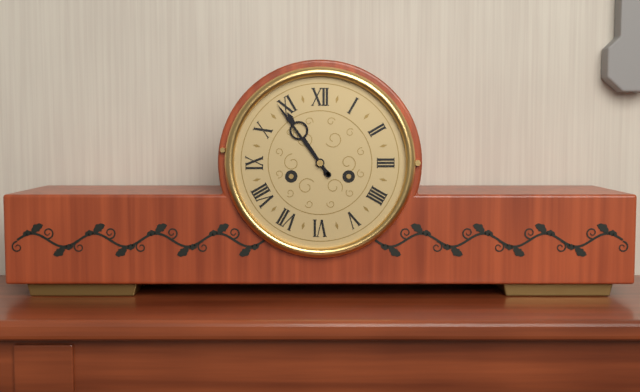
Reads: h=10 m=54
